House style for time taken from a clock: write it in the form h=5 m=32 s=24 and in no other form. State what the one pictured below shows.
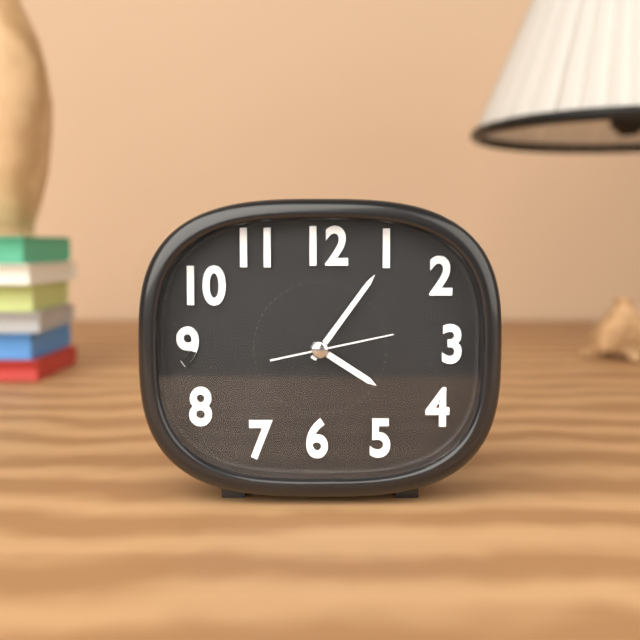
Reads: h=4 m=6 s=13
